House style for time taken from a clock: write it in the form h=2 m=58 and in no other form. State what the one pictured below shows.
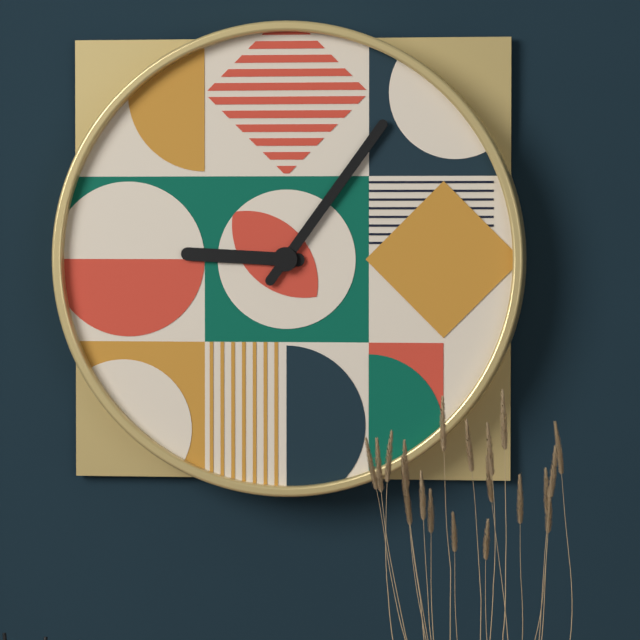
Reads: h=9 m=6
